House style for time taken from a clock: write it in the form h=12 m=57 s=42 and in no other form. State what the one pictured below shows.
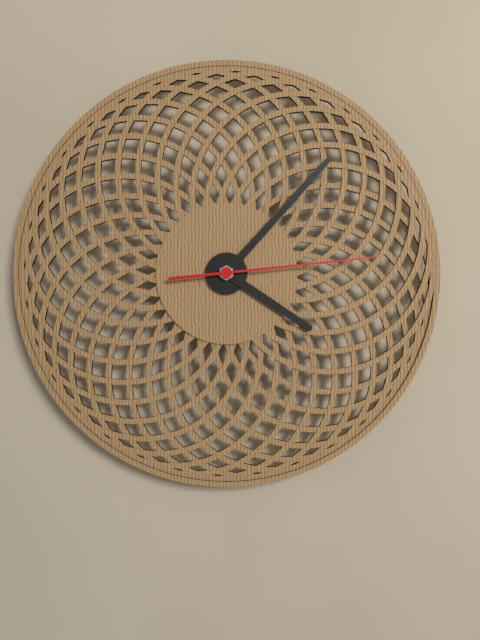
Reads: h=4 m=7 s=14
